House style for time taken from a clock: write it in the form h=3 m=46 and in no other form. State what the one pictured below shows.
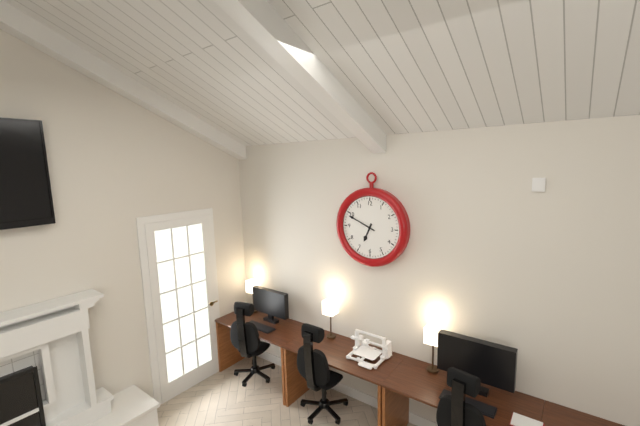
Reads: h=6 m=49
